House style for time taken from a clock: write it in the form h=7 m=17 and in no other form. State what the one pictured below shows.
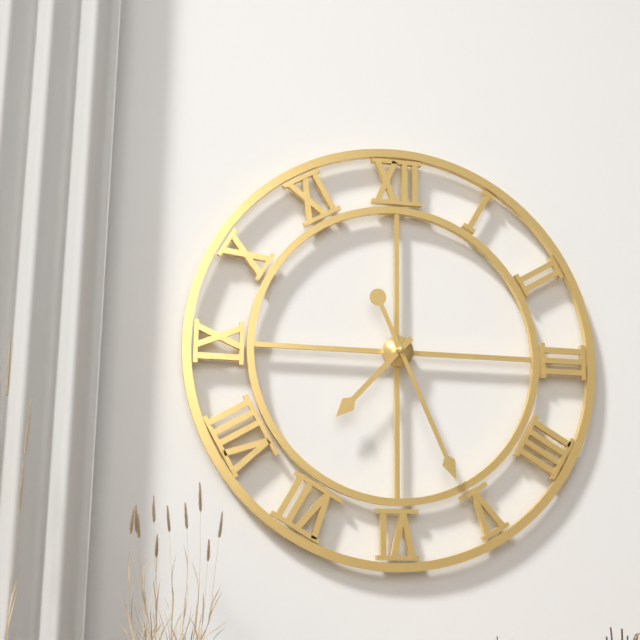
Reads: h=7 m=26
